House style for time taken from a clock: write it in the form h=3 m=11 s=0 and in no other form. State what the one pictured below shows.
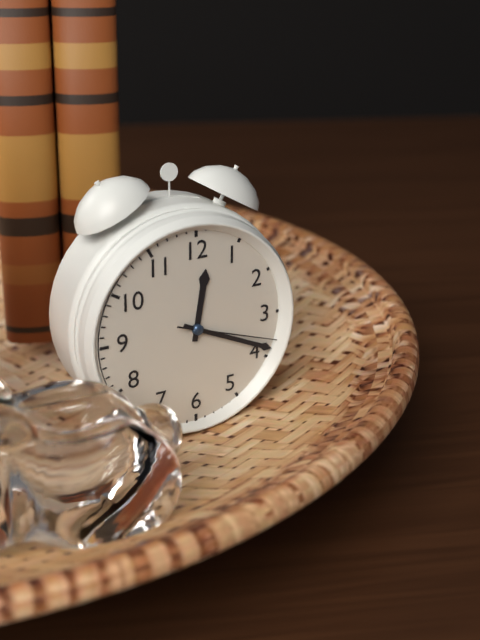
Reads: h=12 m=19 s=18
